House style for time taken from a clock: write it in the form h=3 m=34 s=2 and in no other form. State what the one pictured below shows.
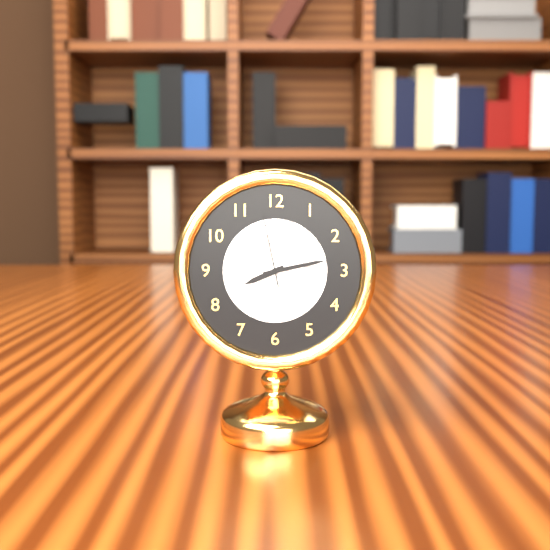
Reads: h=8 m=13 s=58
